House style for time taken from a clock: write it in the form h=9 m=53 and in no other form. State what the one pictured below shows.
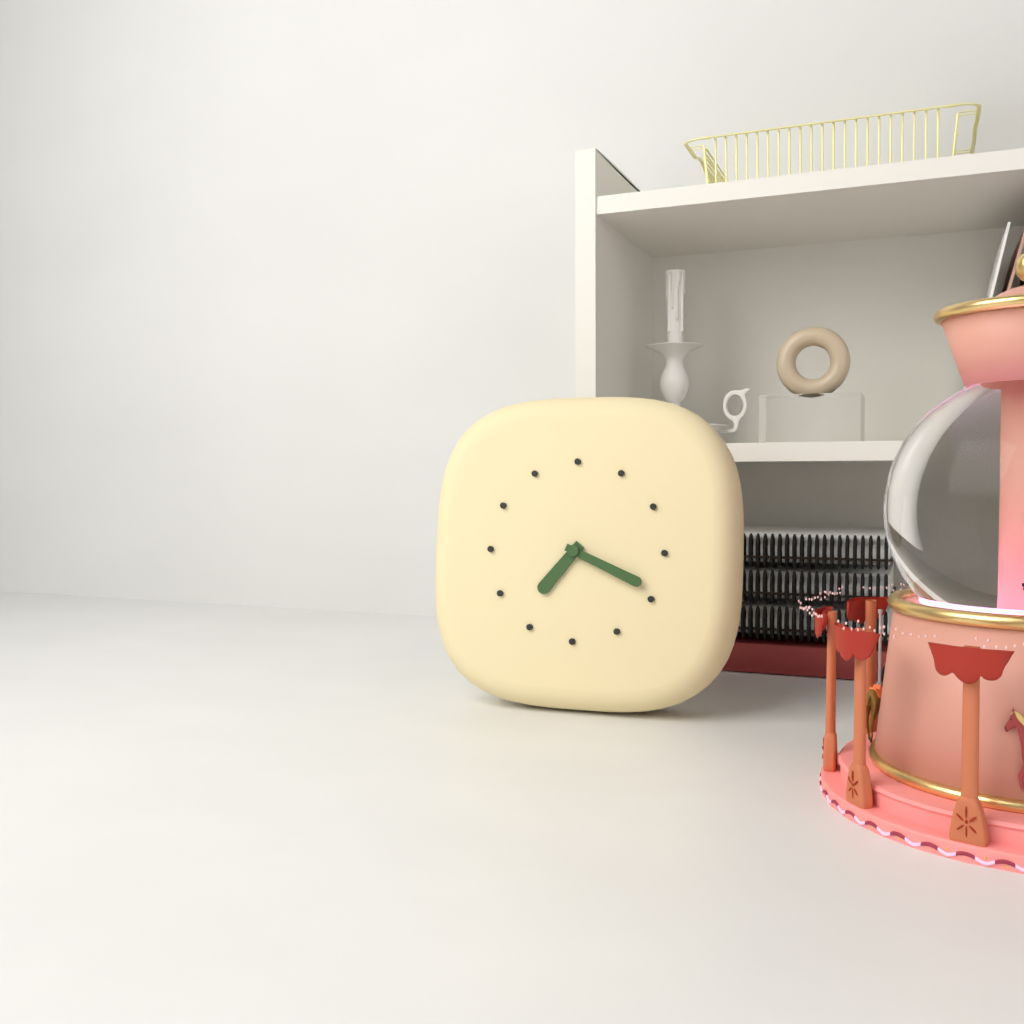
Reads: h=7 m=19
